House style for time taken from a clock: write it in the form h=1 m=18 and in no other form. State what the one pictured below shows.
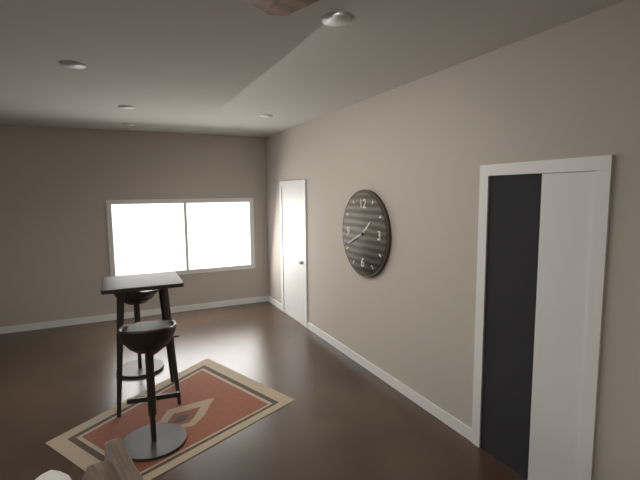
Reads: h=1 m=41
